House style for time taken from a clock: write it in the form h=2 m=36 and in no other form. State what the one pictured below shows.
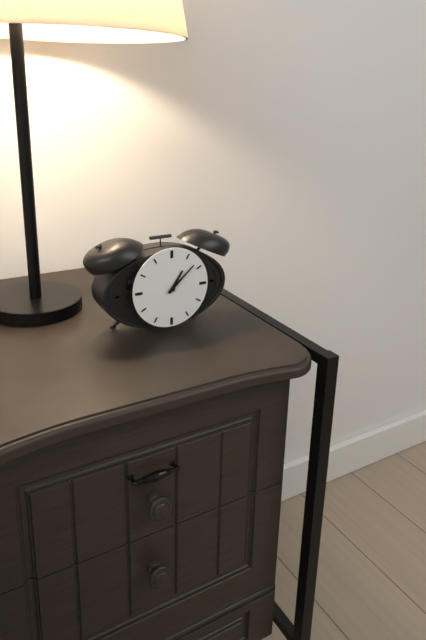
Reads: h=1 m=8
